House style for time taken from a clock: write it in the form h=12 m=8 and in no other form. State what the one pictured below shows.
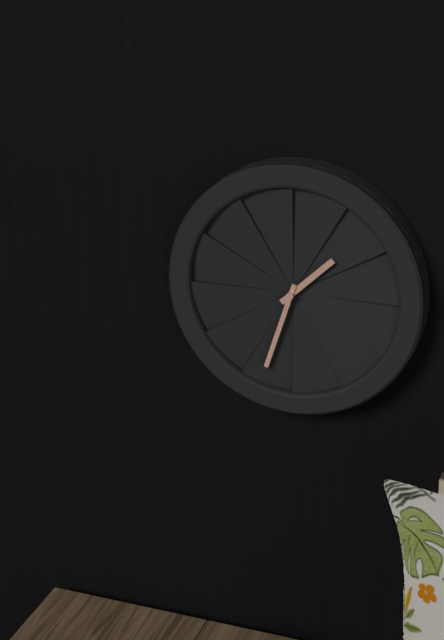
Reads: h=1 m=33
